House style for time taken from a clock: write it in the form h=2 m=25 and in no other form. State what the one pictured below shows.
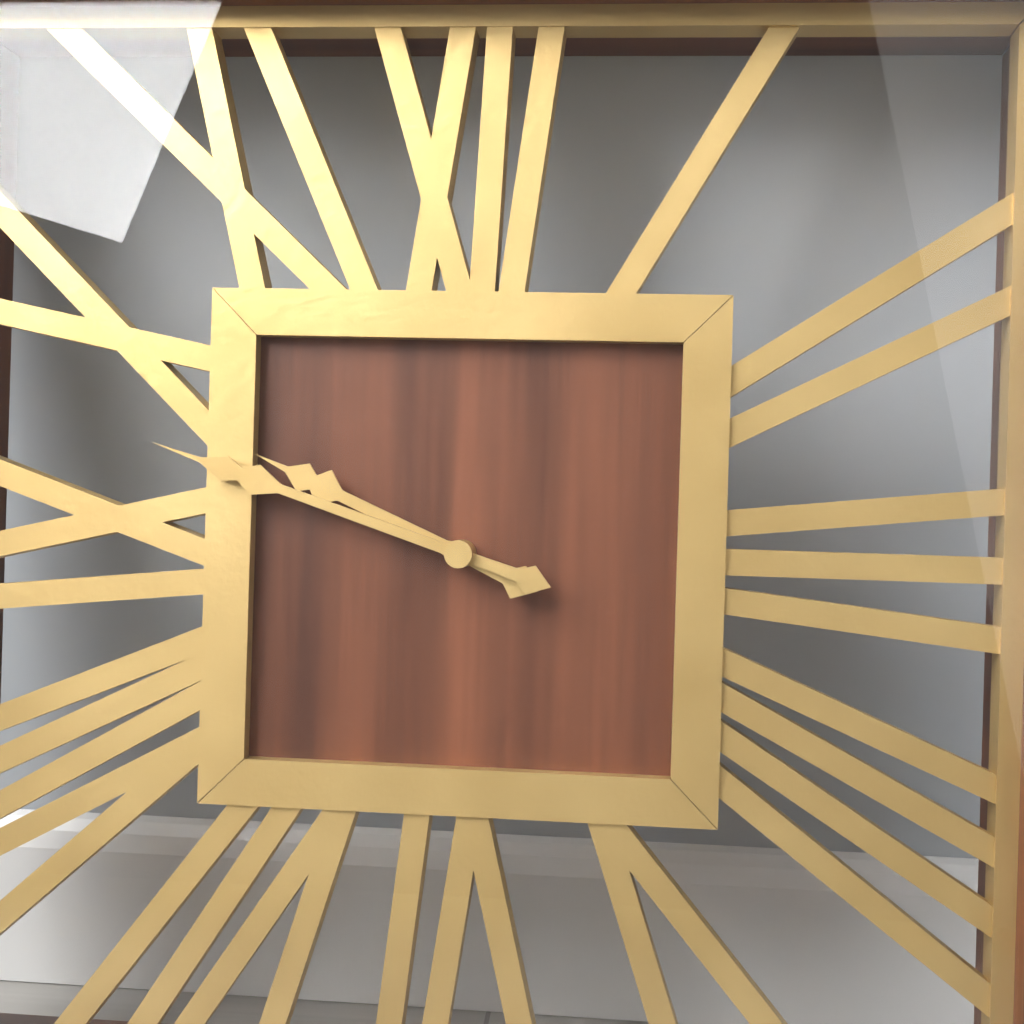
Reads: h=9 m=48
